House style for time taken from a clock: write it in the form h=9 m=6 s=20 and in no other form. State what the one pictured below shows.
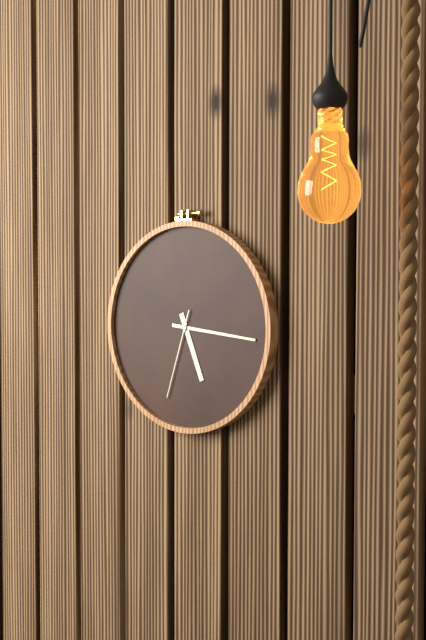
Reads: h=5 m=16 s=33
